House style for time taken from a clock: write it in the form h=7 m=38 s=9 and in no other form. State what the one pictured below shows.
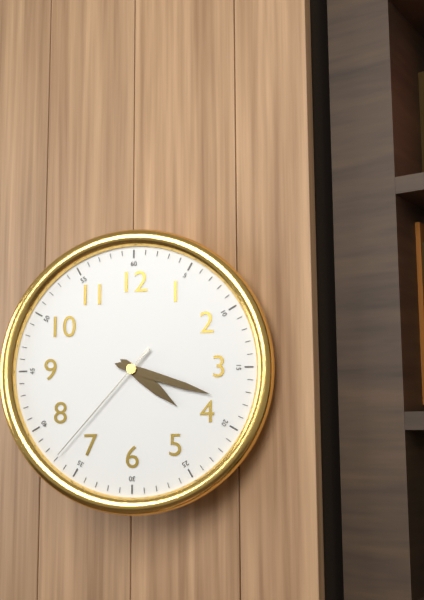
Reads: h=4 m=18 s=37
